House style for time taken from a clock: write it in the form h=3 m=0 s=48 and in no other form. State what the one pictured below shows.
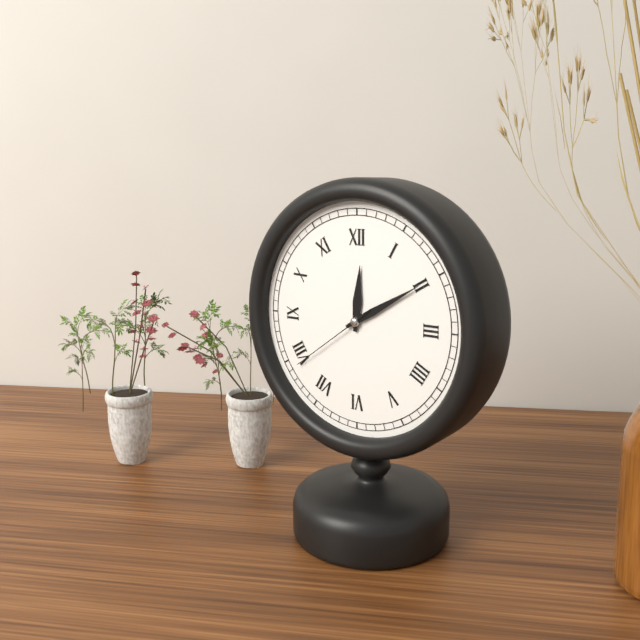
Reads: h=12 m=10 s=39
